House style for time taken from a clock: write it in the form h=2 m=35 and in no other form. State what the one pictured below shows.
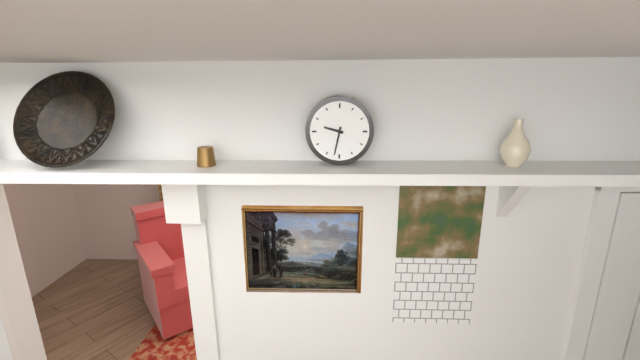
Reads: h=9 m=32
